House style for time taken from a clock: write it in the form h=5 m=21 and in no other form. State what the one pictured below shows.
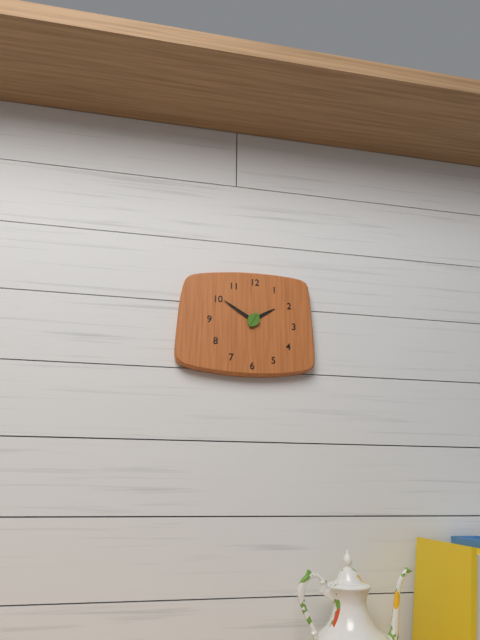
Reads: h=1 m=50
